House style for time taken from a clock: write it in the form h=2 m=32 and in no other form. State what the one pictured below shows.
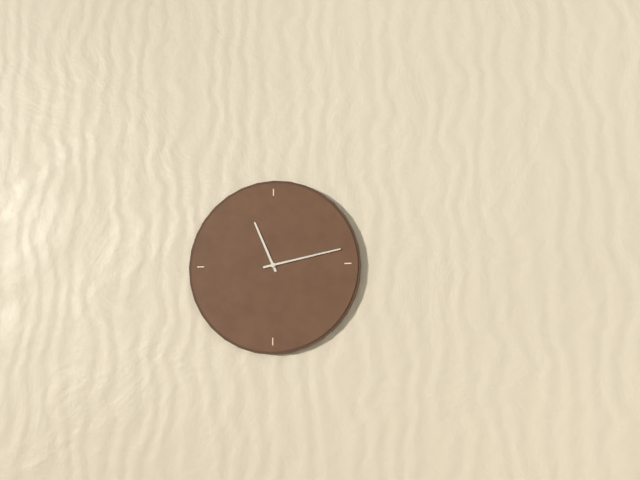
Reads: h=11 m=13
